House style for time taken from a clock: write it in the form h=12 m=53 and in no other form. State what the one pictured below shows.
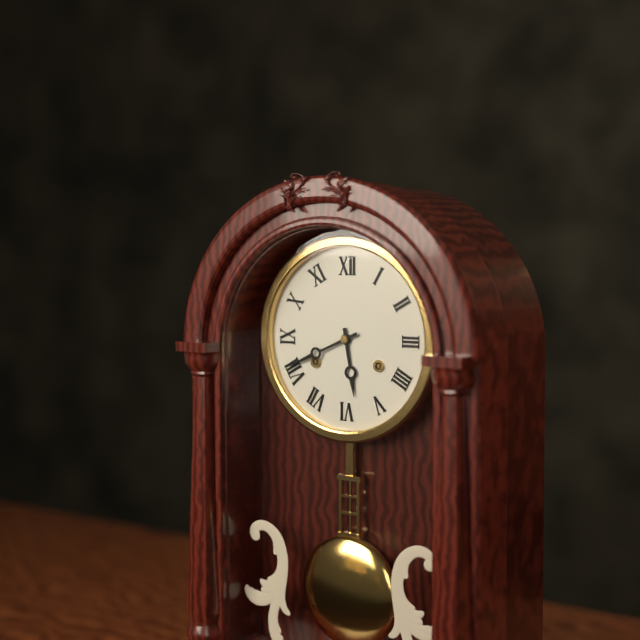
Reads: h=5 m=41
